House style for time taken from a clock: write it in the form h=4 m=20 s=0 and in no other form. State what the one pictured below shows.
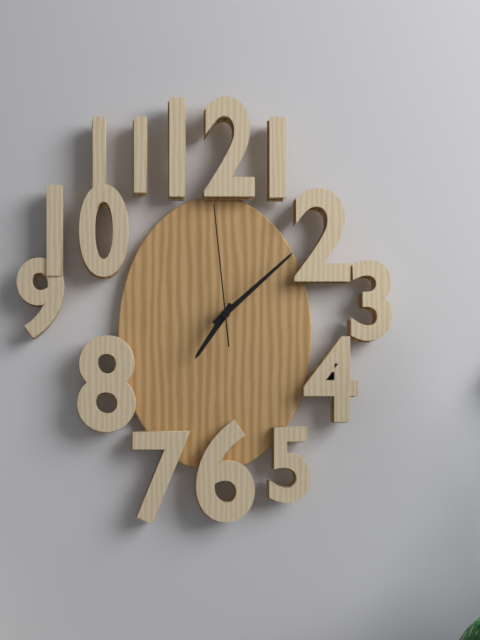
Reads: h=7 m=8 s=59
